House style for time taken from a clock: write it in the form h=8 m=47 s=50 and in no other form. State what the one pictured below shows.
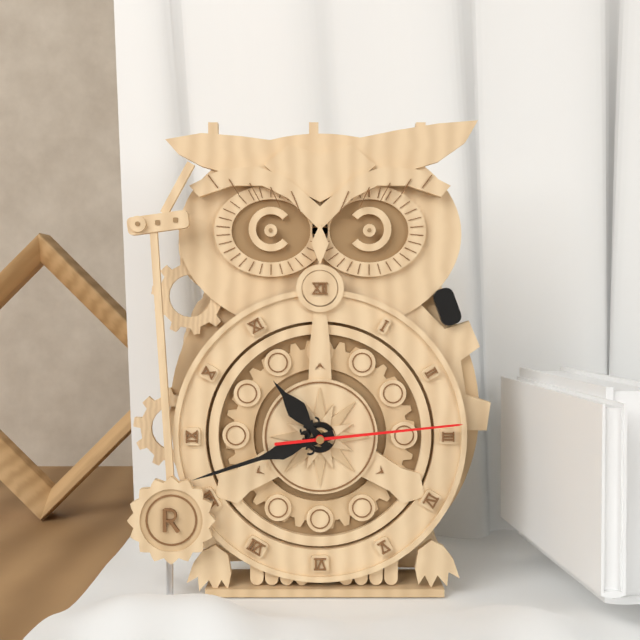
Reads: h=10 m=42 s=14
